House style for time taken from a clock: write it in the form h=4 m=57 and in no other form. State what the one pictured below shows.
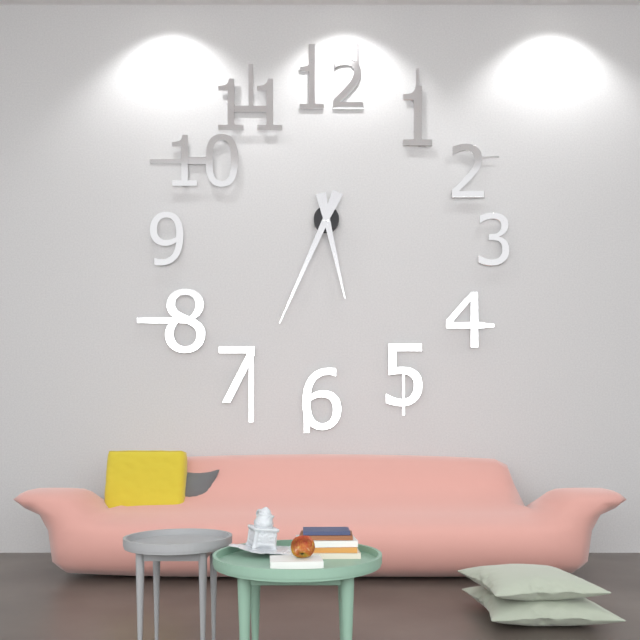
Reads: h=5 m=34
